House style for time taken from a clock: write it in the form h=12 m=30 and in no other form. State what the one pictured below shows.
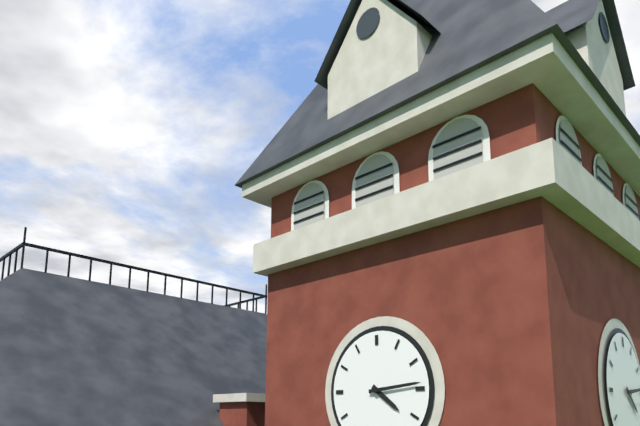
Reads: h=4 m=14
